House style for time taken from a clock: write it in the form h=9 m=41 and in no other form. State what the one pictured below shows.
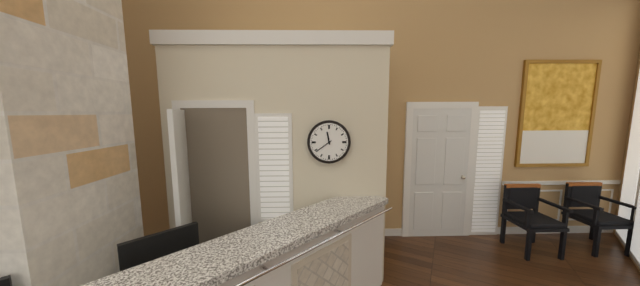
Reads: h=11 m=39
